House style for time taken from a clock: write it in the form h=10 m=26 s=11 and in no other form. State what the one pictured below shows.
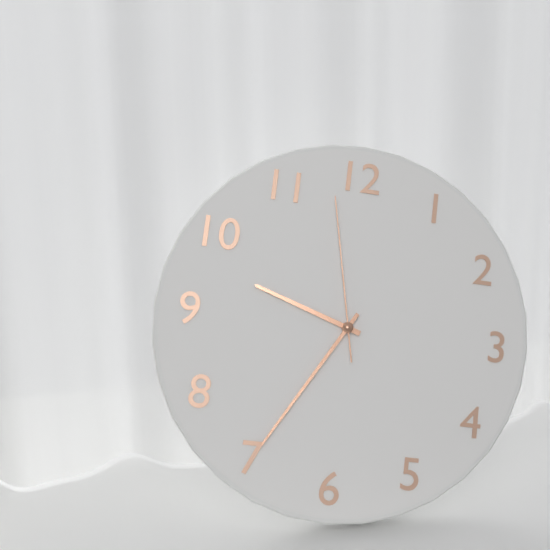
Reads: h=9 m=35 s=58
